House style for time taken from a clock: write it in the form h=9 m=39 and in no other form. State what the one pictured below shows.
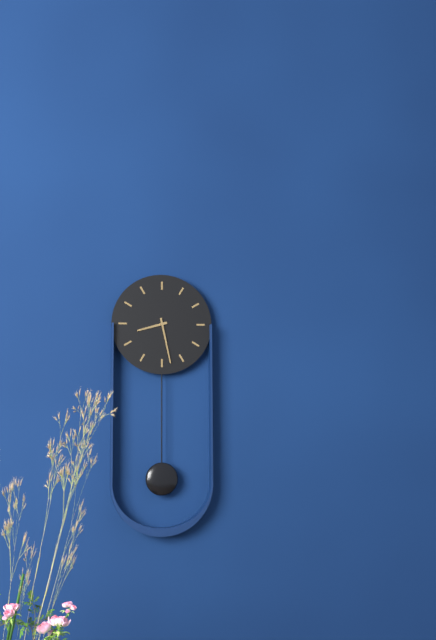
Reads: h=8 m=28
